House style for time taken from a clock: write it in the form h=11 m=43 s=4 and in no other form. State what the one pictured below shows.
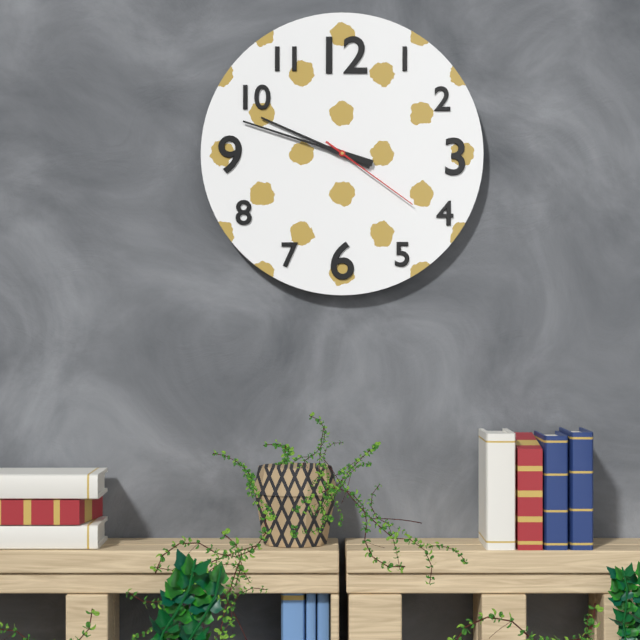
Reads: h=9 m=48 s=21
